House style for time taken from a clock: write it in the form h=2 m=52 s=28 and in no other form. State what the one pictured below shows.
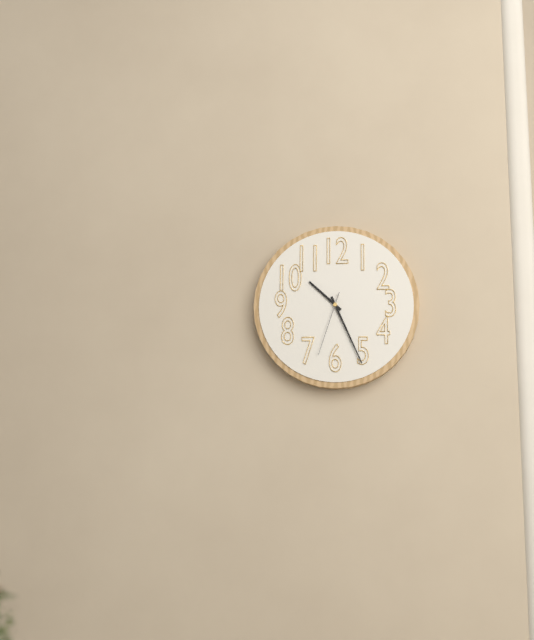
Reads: h=10 m=26 s=33
